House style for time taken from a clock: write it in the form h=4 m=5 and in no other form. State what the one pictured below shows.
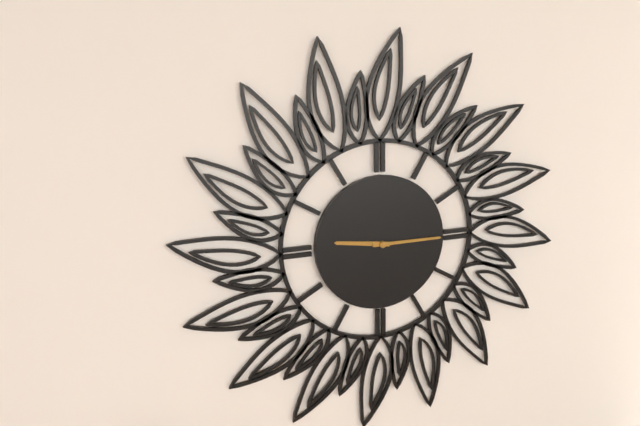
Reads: h=9 m=15
